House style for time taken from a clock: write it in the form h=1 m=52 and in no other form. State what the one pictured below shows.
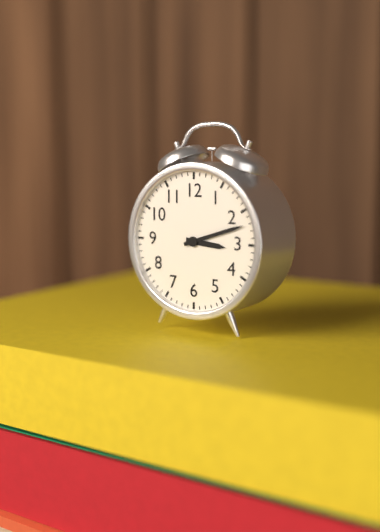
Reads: h=3 m=12
